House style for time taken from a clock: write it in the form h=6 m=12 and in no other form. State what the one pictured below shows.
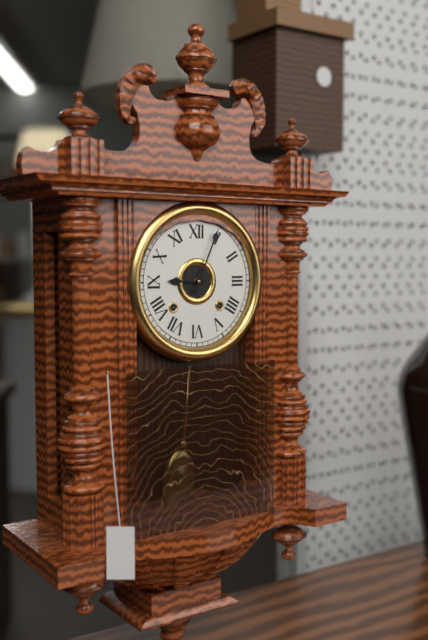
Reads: h=9 m=4
